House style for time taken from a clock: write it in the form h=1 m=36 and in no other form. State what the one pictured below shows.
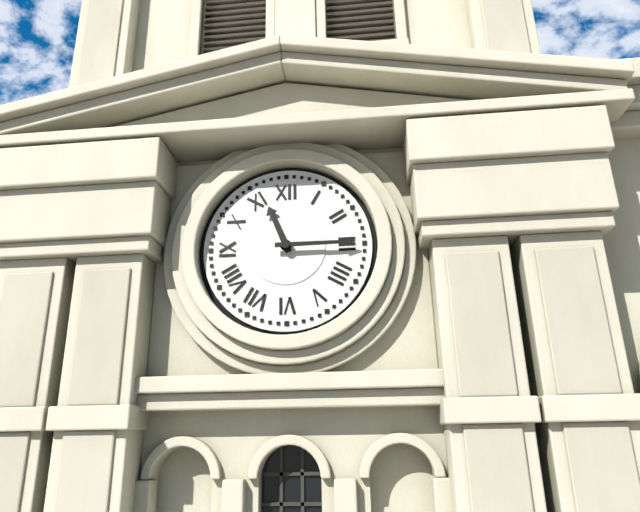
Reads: h=11 m=15
